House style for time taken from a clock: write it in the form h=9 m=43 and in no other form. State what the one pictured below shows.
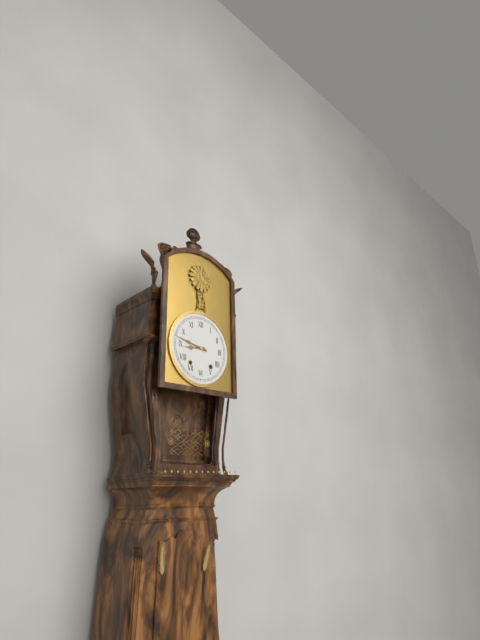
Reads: h=8 m=47
